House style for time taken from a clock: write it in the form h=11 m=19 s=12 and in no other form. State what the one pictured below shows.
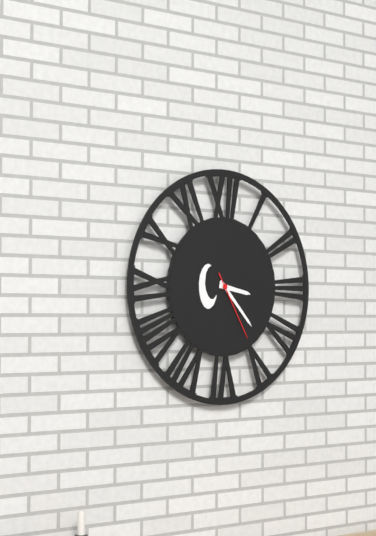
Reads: h=3 m=23 s=25
